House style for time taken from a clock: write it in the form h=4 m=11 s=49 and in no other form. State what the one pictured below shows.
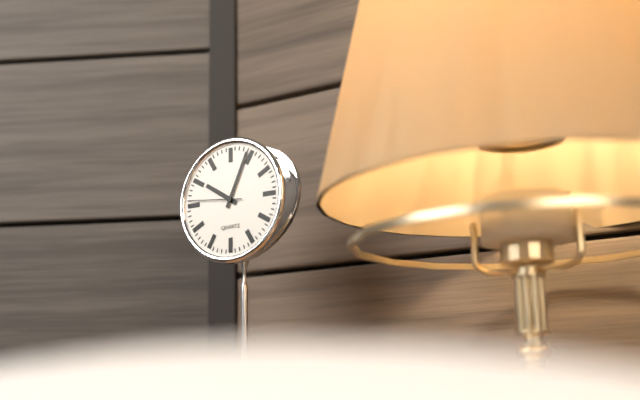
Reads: h=10 m=4 s=46
